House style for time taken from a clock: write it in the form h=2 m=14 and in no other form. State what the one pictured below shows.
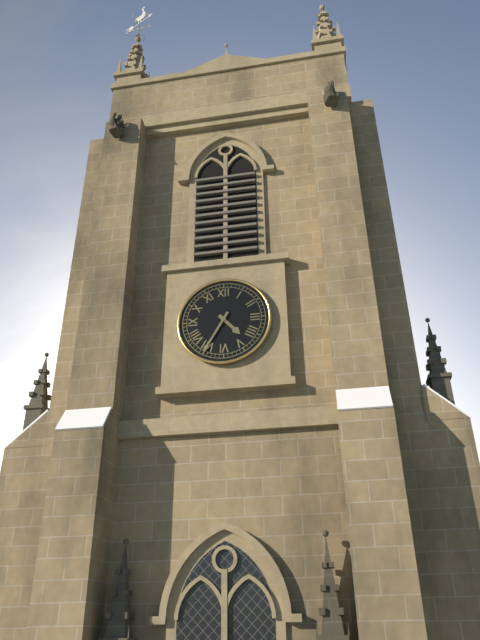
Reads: h=4 m=35
